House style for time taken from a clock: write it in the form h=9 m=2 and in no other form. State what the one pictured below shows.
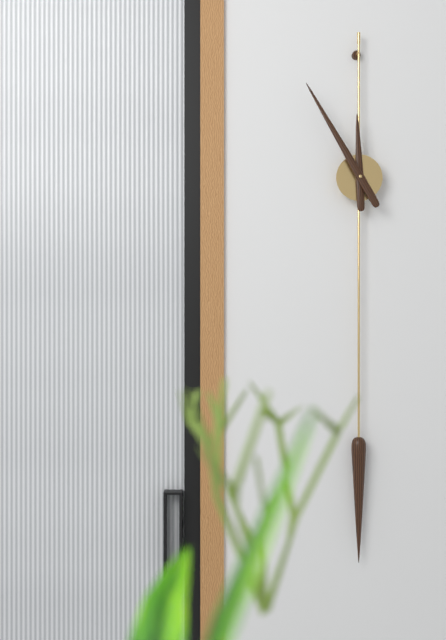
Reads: h=11 m=55
